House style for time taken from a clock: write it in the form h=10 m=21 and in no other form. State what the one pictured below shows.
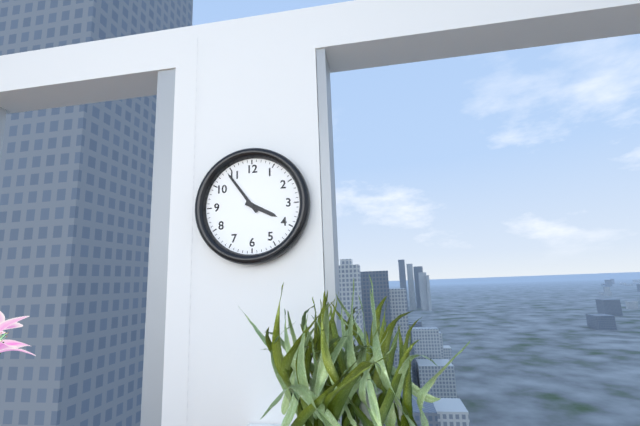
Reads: h=3 m=54
